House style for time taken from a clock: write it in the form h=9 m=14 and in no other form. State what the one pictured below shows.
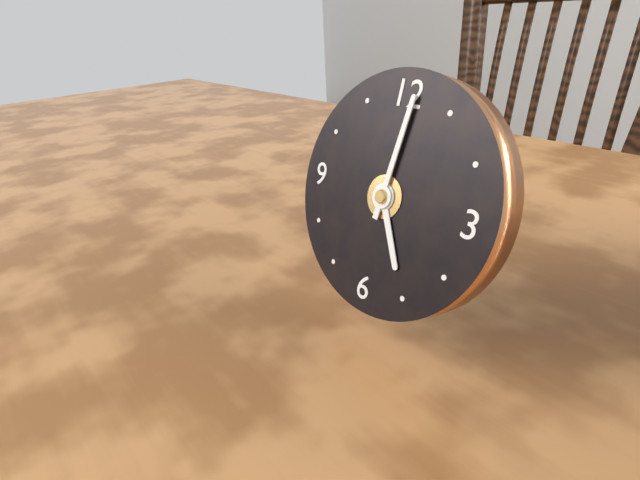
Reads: h=5 m=1
